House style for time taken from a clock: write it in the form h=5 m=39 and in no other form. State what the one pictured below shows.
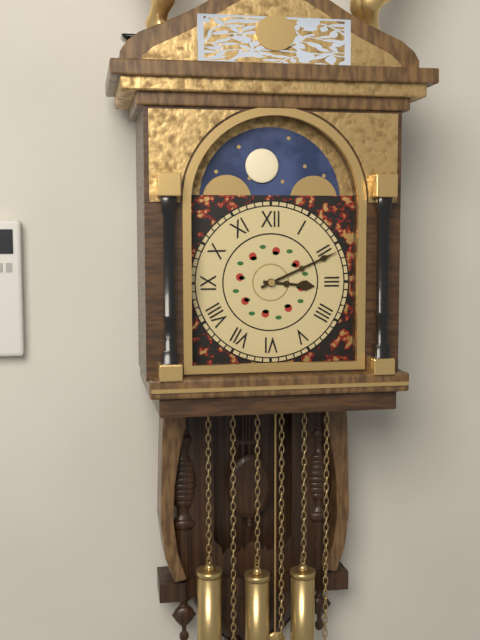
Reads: h=3 m=11
